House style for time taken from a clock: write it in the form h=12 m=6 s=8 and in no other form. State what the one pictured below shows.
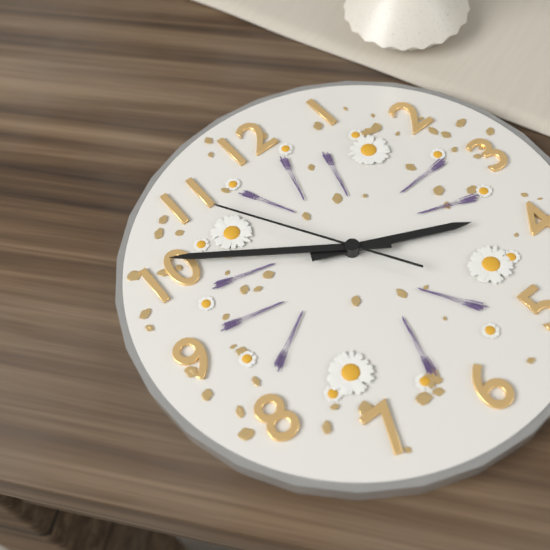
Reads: h=3 m=51 s=55
